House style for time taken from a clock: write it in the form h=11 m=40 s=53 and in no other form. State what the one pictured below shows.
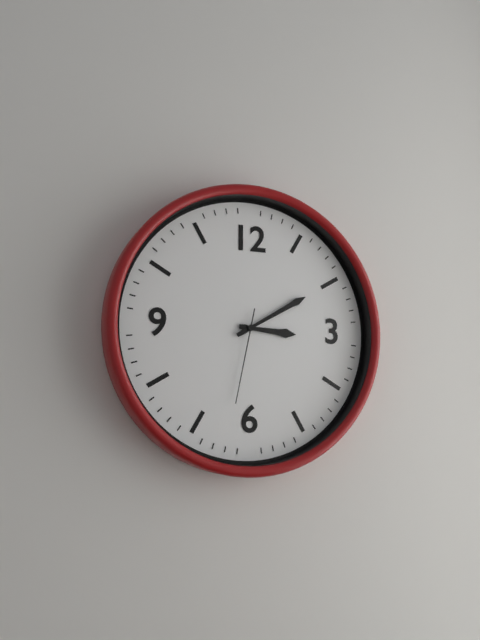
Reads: h=3 m=10 s=32
